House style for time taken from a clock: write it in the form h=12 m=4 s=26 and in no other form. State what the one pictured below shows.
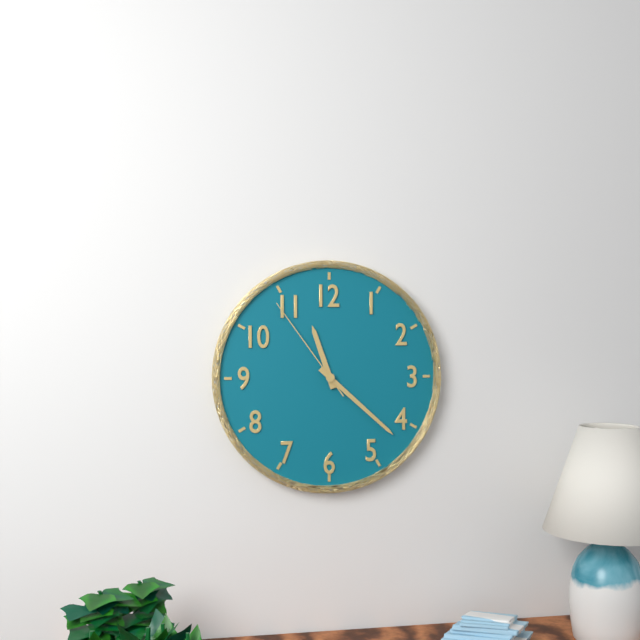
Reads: h=11 m=22 s=54
